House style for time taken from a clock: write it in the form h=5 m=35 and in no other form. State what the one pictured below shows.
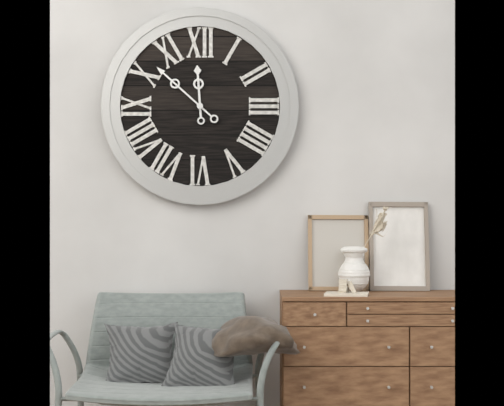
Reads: h=11 m=52
